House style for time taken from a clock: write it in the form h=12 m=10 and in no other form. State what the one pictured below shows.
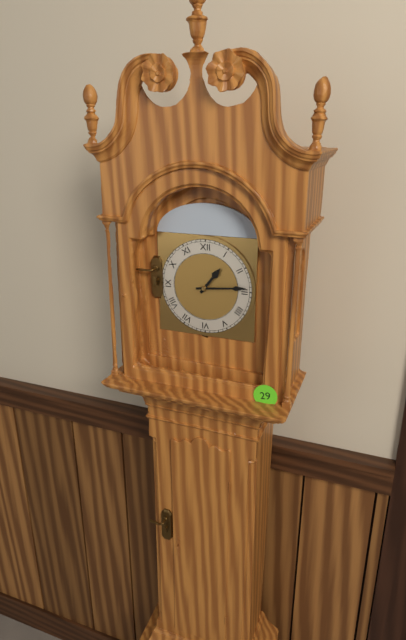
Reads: h=1 m=14
